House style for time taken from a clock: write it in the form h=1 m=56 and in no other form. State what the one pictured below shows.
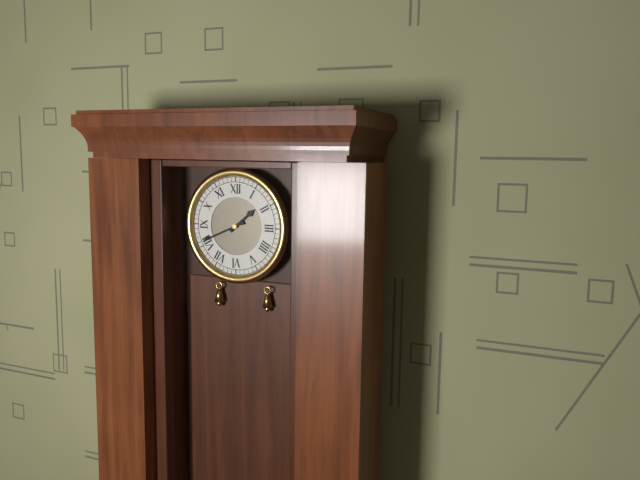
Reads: h=1 m=41
